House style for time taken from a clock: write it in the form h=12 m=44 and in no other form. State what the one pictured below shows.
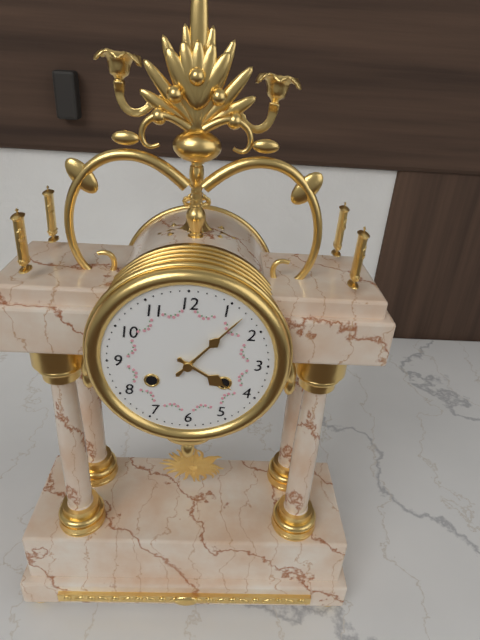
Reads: h=4 m=7
